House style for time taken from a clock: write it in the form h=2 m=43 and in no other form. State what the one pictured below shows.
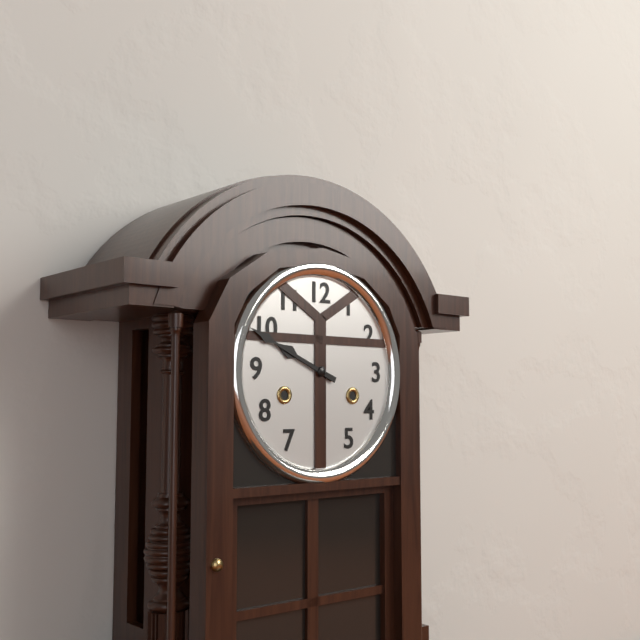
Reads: h=9 m=49
